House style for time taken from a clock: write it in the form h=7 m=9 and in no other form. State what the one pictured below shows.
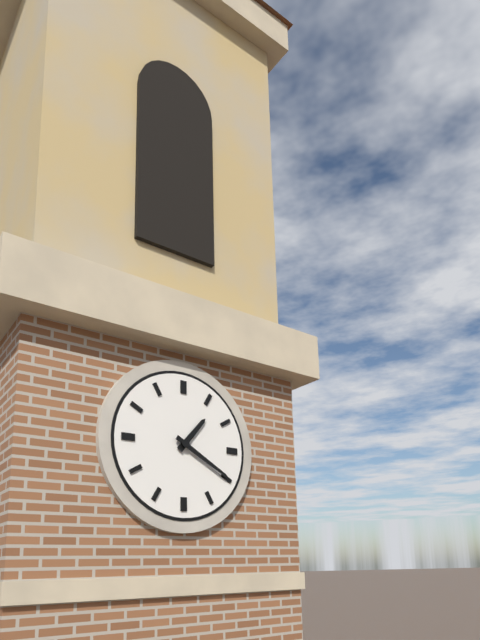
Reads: h=1 m=20
